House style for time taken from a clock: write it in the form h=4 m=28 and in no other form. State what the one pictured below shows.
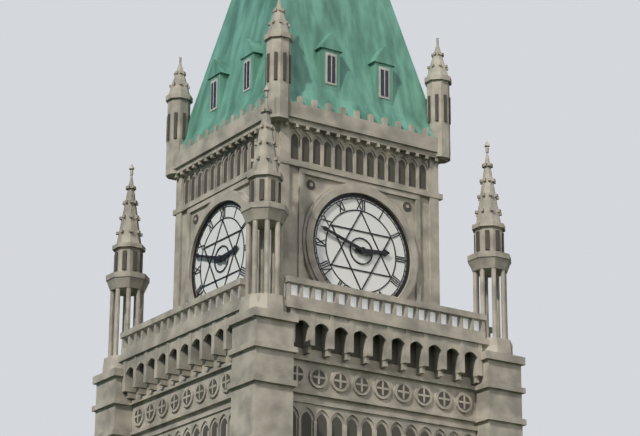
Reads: h=2 m=48
